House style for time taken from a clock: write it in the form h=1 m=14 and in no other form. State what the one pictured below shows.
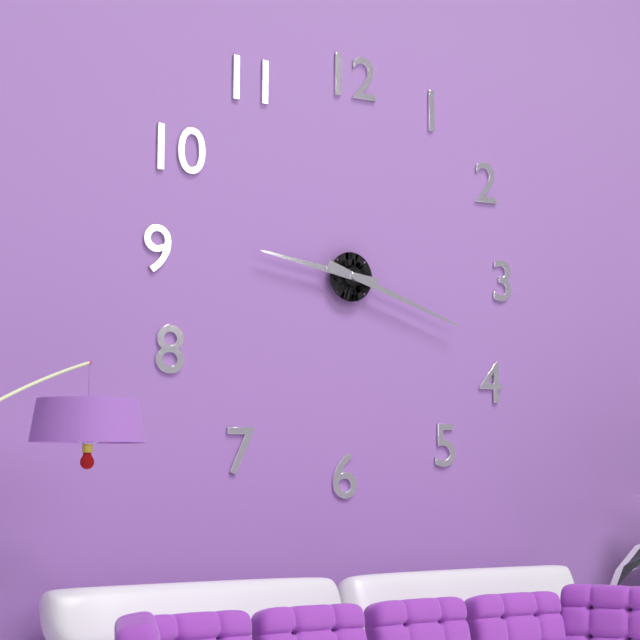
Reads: h=9 m=18
